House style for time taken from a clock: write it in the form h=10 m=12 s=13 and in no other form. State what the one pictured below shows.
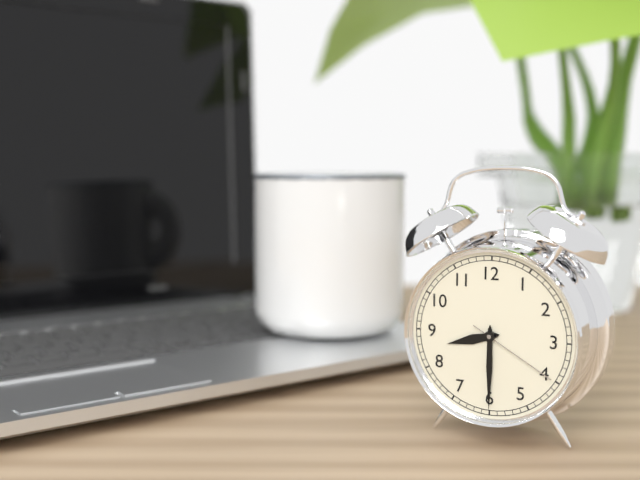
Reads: h=8 m=30 s=20
